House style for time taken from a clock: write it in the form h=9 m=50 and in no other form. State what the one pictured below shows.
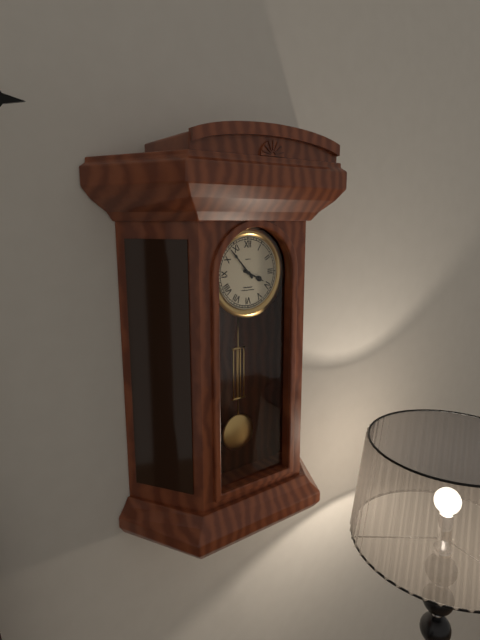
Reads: h=3 m=53
